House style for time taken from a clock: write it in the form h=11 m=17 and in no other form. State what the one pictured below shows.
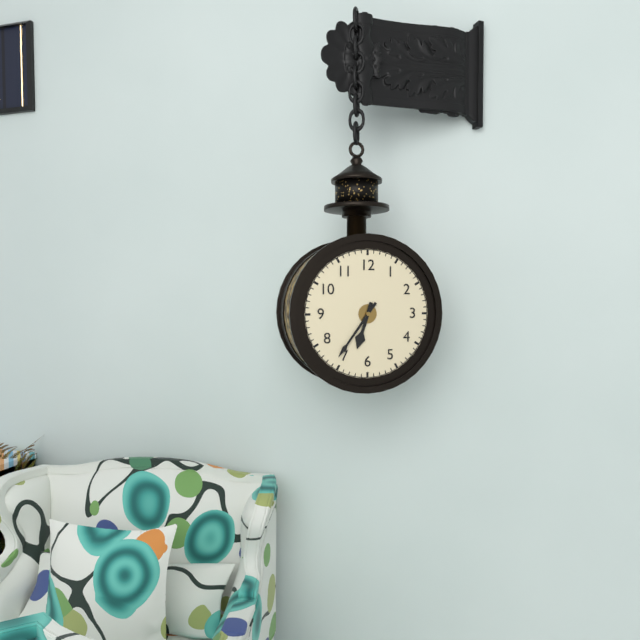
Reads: h=6 m=36
